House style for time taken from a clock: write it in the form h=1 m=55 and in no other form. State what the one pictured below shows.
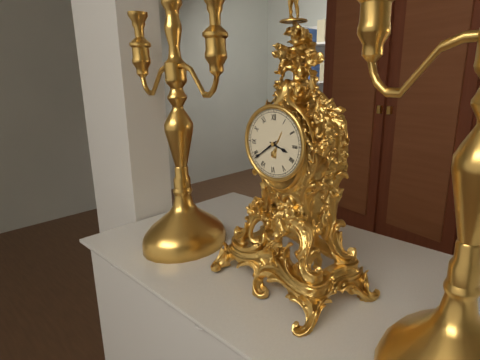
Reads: h=3 m=39
